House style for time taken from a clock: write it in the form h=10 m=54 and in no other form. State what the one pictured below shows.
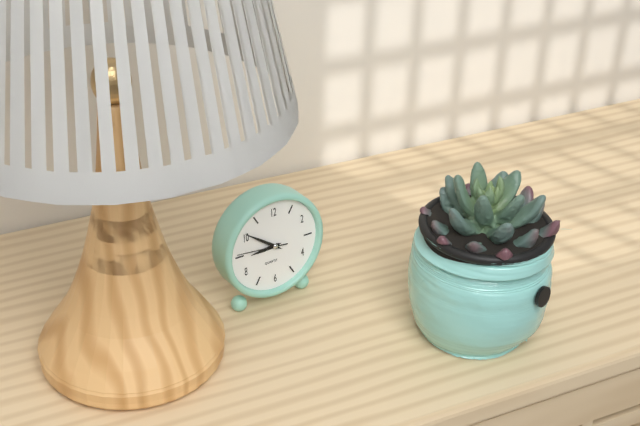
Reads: h=8 m=51
